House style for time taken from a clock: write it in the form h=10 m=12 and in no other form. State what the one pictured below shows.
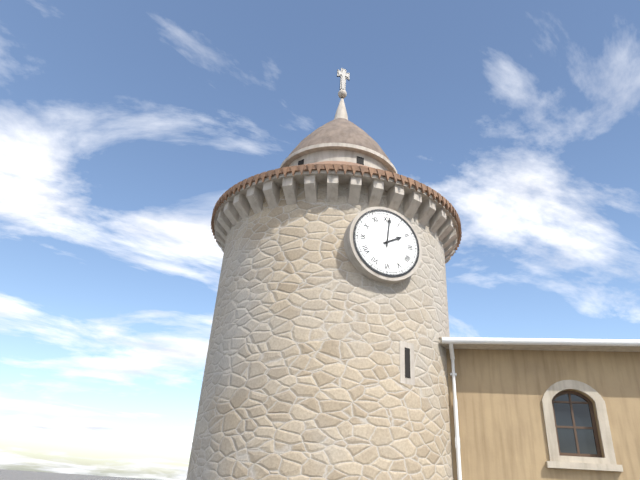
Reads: h=2 m=1
